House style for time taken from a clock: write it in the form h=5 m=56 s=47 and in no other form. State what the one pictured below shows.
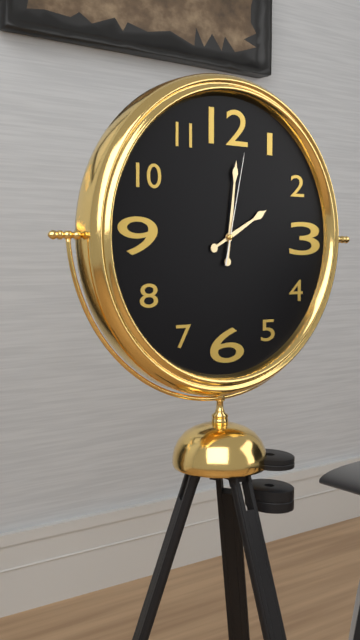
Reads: h=2 m=1 s=2
